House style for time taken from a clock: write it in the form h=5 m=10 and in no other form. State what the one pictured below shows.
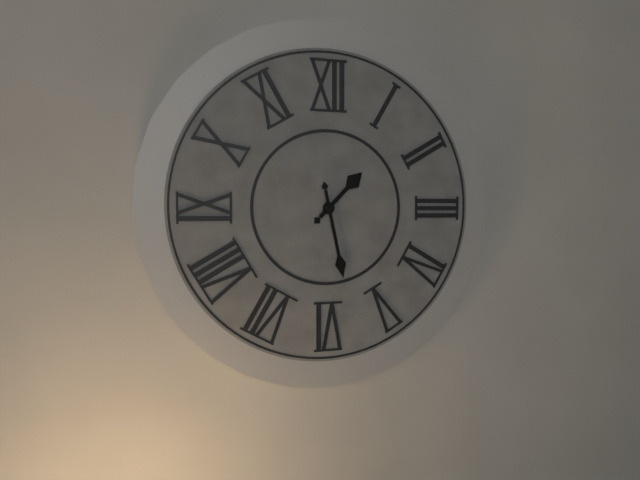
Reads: h=1 m=28
